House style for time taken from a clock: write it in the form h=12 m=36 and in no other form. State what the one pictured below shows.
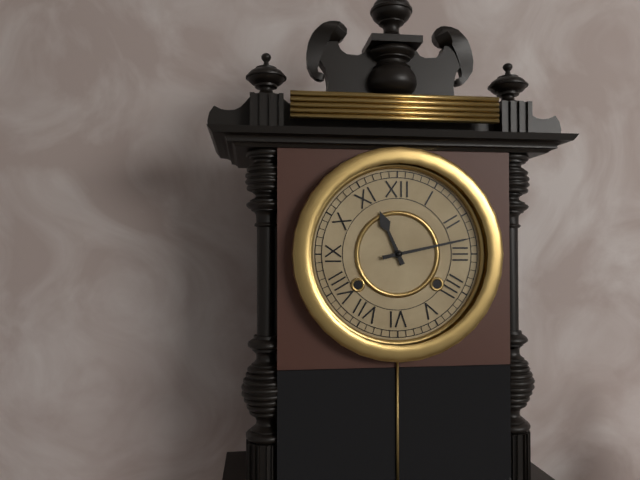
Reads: h=11 m=13
